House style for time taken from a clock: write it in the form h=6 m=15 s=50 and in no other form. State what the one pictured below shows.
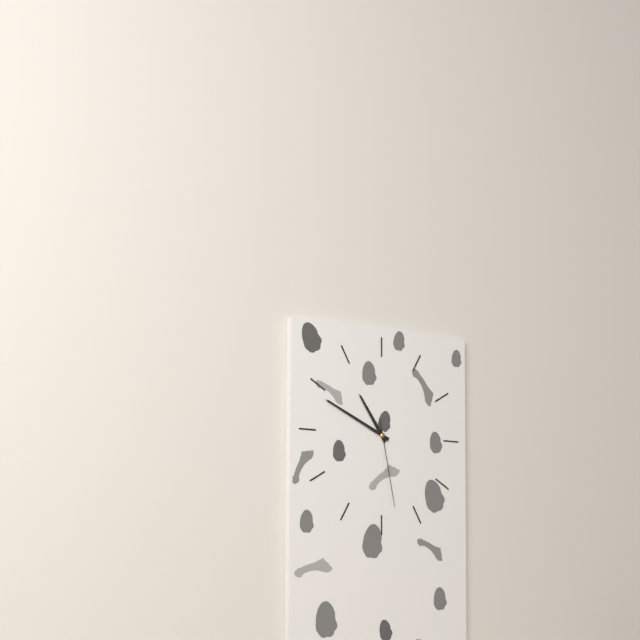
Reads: h=10 m=49 s=28
